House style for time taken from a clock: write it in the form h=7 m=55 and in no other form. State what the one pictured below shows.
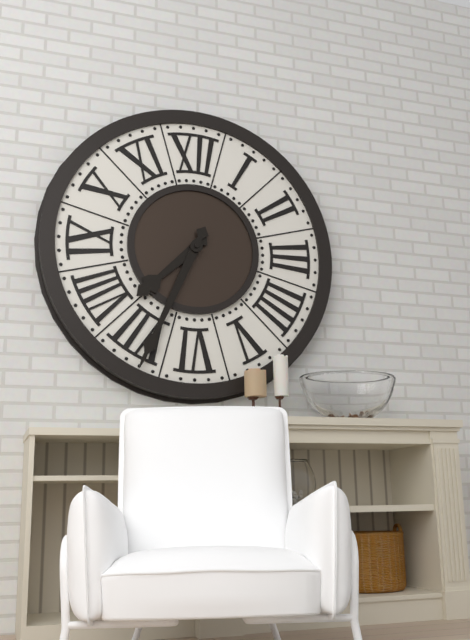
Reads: h=7 m=34
